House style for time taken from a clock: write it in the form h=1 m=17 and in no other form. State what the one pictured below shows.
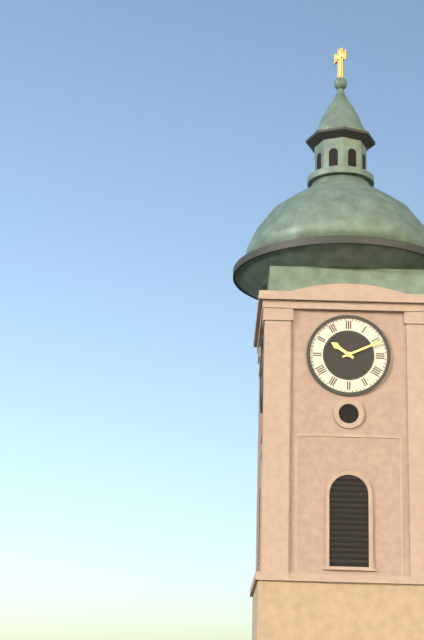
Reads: h=10 m=11
